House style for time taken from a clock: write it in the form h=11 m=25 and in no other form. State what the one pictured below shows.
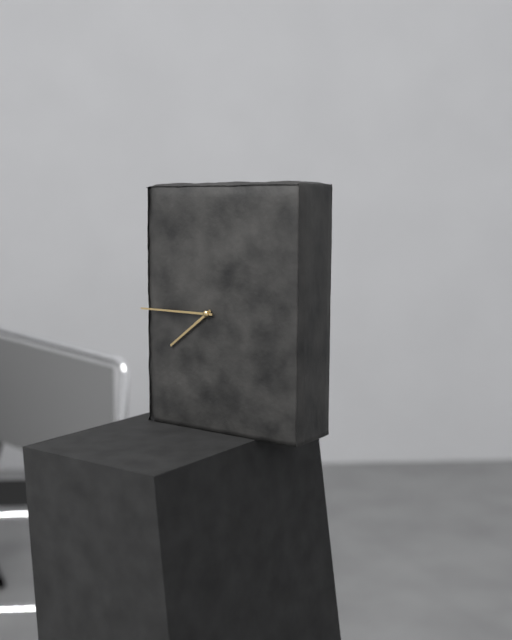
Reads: h=7 m=45
